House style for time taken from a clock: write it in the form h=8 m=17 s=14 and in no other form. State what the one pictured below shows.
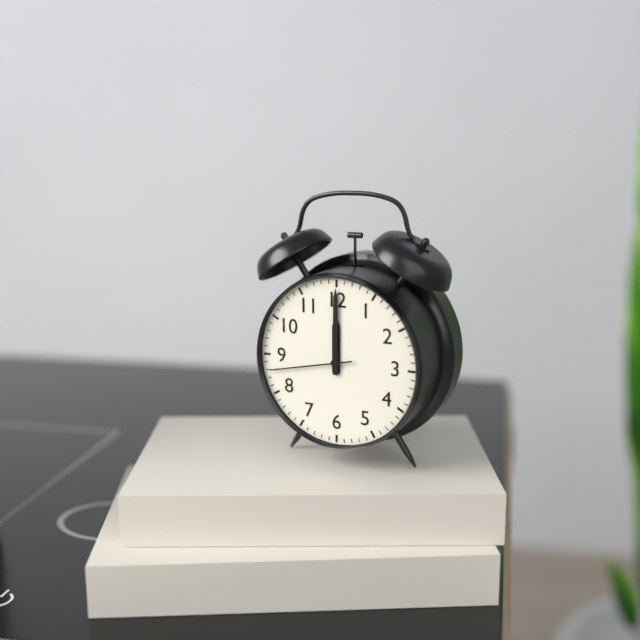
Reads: h=12 m=0 s=43
